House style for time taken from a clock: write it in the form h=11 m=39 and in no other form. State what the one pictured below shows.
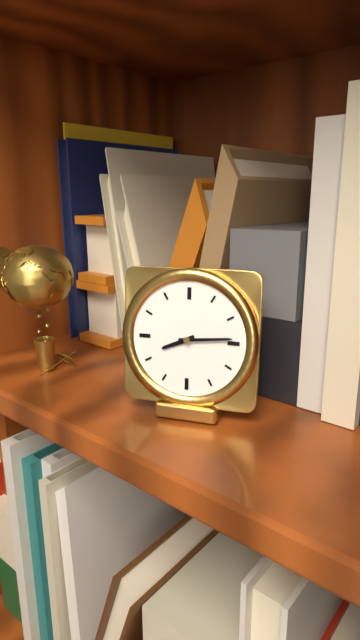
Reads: h=8 m=14
